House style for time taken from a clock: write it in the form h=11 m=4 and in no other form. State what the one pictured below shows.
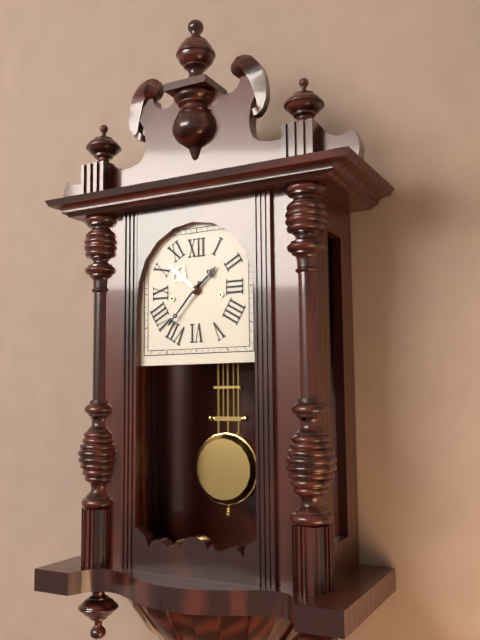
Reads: h=1 m=37
